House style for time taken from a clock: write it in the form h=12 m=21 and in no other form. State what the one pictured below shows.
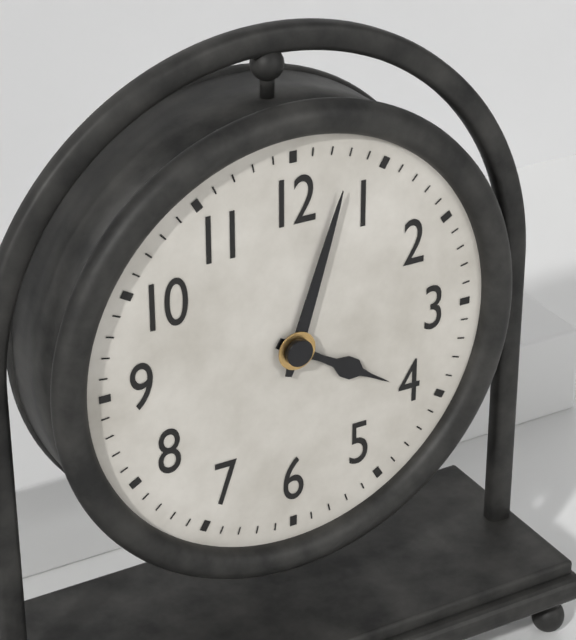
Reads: h=4 m=3
